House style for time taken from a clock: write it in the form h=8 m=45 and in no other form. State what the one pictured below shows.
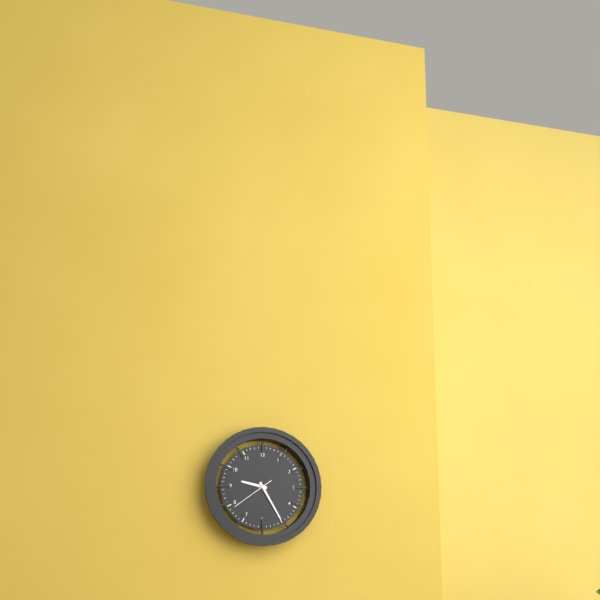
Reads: h=9 m=25
